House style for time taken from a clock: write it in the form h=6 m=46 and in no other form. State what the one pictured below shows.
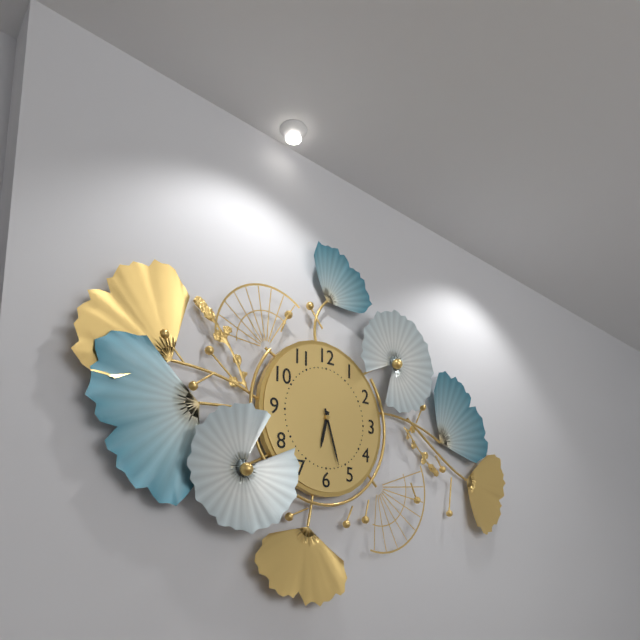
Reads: h=6 m=27
